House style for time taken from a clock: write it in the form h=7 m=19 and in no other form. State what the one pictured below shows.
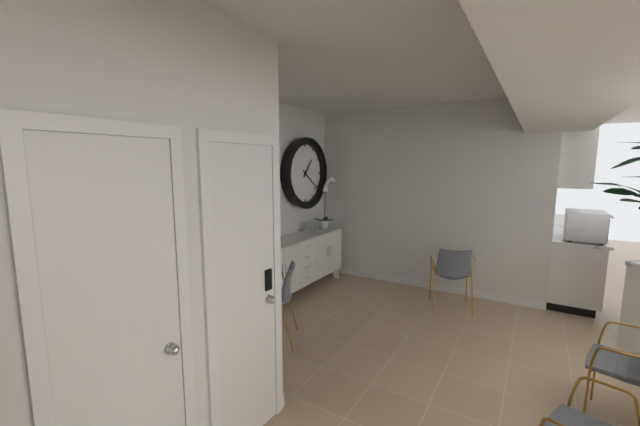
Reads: h=1 m=21
